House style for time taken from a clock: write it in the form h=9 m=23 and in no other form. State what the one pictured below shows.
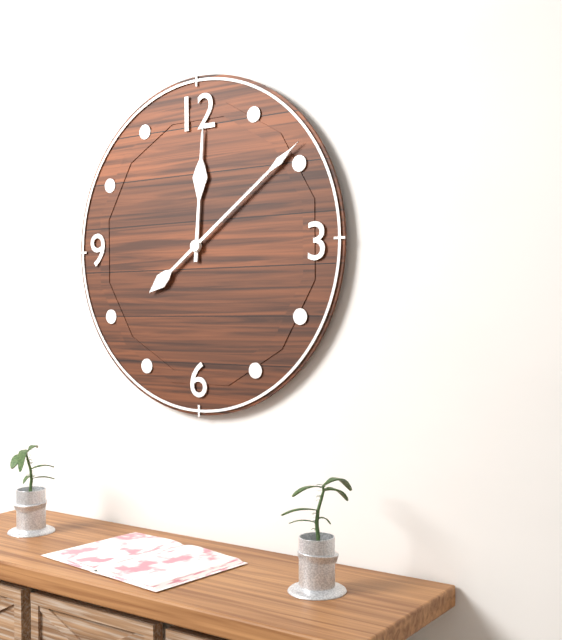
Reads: h=12 m=9
